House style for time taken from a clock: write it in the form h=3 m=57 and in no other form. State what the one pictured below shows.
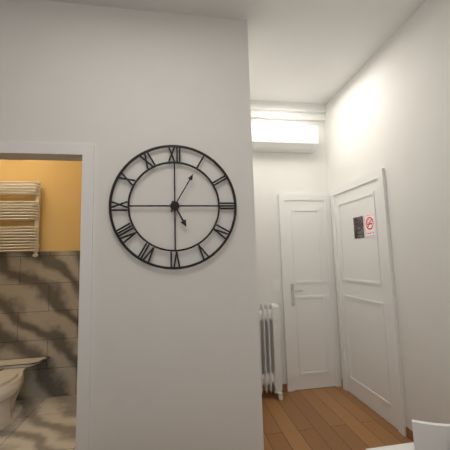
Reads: h=5 m=5
